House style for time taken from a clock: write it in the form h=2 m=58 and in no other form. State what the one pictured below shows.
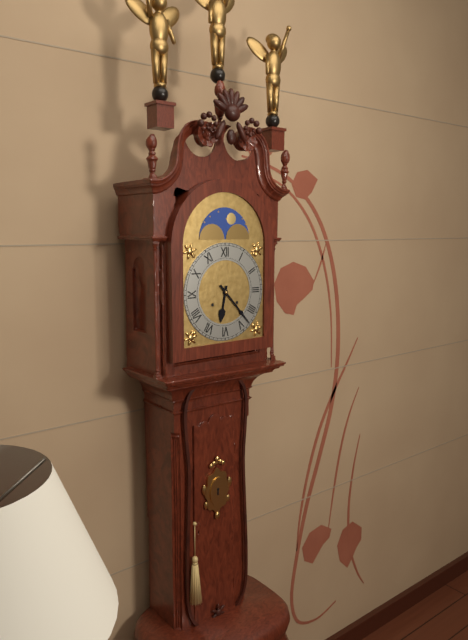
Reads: h=6 m=23
